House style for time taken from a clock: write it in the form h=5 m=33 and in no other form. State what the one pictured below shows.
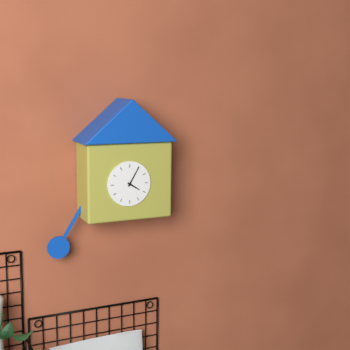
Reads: h=4 m=5
